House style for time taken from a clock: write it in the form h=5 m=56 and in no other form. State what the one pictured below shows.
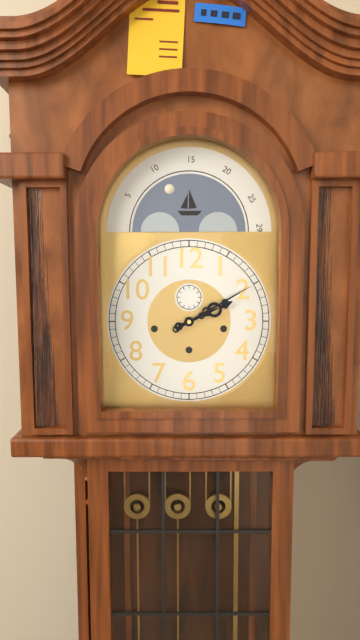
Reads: h=2 m=10
